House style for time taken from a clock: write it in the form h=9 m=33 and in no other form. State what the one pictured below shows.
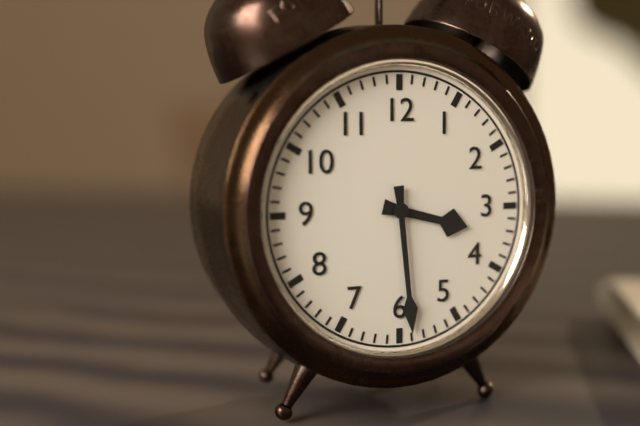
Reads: h=3 m=29
